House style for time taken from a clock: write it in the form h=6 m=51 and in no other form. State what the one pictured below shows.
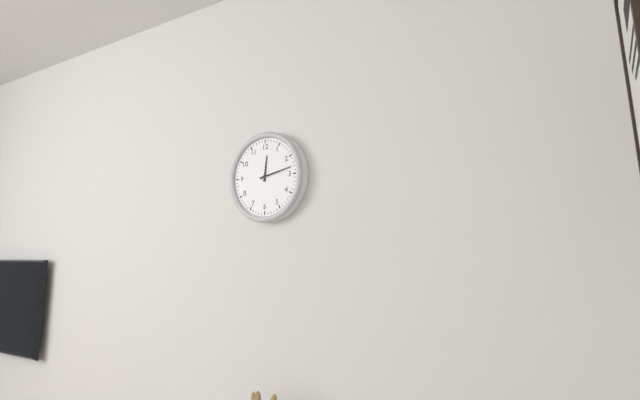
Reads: h=12 m=13
